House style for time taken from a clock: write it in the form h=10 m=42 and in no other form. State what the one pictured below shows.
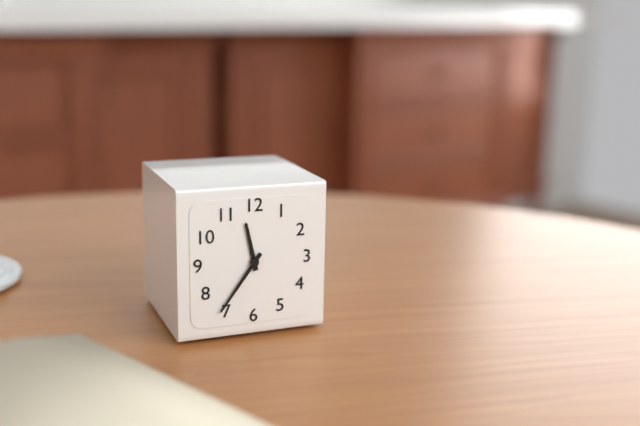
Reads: h=11 m=36
